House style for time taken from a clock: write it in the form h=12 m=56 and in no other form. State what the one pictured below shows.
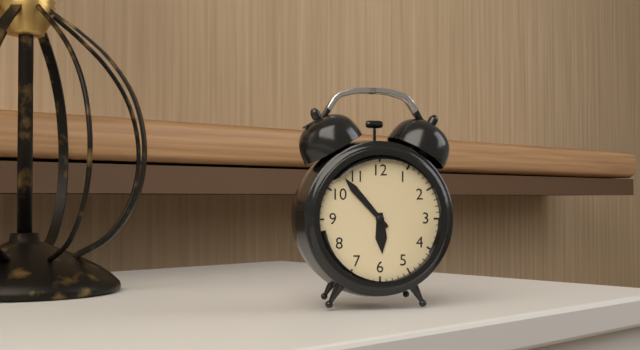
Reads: h=5 m=53
